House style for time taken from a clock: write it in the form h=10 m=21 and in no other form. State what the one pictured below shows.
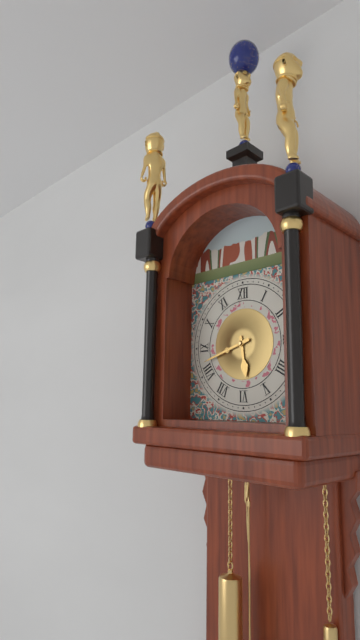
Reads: h=5 m=42
